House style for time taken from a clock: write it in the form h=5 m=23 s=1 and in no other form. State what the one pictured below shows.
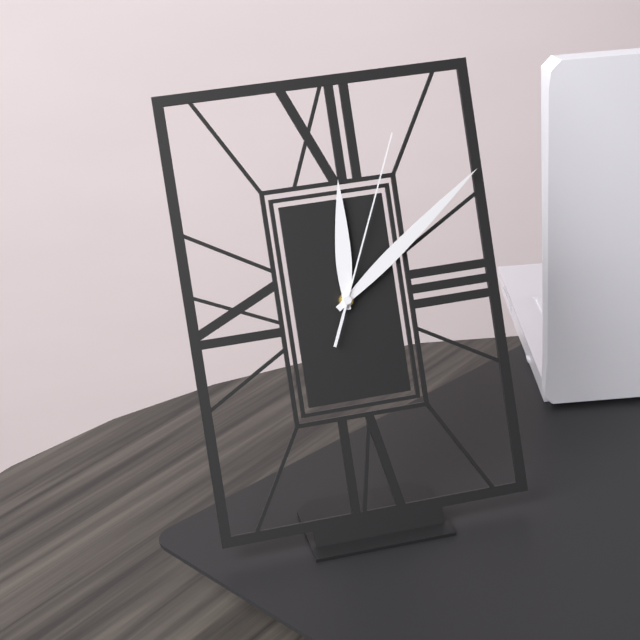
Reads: h=12 m=9 s=4
